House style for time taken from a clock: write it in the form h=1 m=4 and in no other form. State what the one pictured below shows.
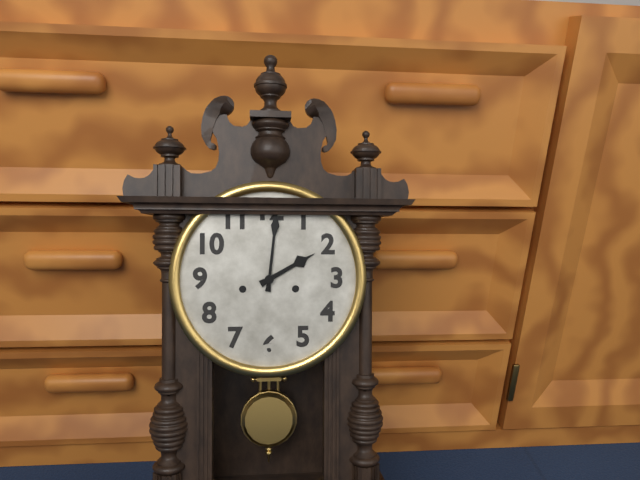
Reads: h=2 m=1
